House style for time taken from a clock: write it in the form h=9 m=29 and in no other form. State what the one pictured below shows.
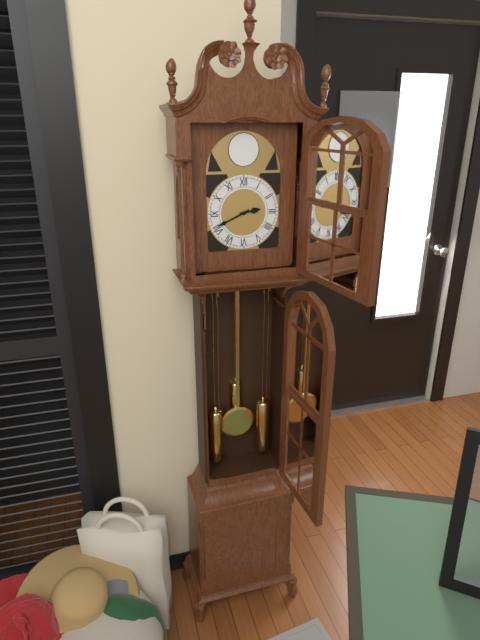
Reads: h=2 m=41
